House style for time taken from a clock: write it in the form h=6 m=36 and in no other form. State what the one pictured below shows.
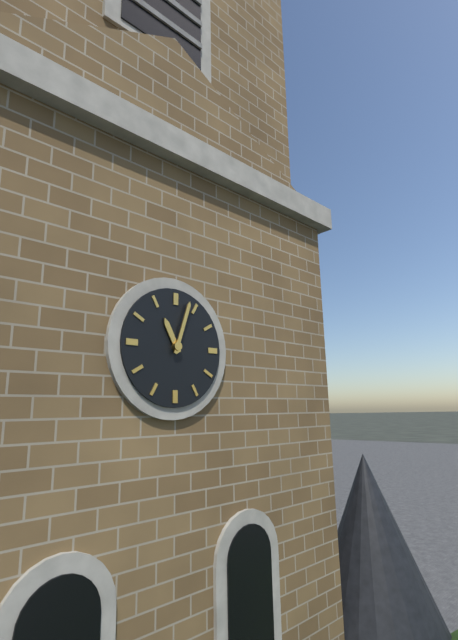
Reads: h=11 m=3
